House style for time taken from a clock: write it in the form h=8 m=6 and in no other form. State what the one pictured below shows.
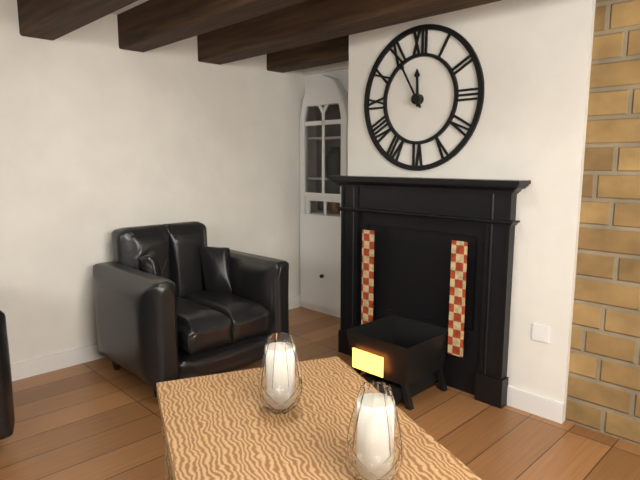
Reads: h=11 m=55
